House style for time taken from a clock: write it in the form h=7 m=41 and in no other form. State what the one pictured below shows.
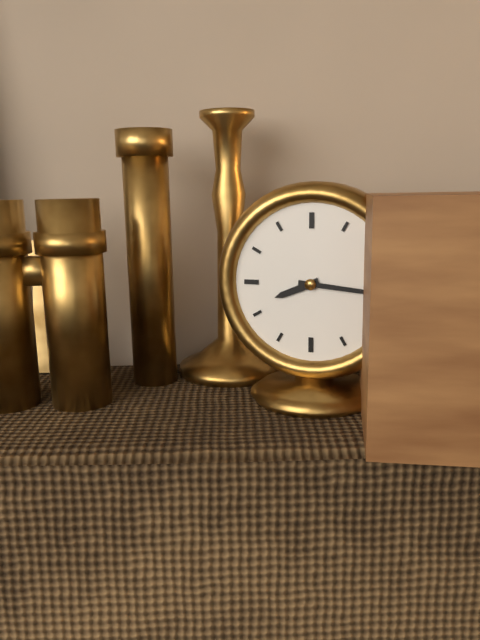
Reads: h=8 m=16
